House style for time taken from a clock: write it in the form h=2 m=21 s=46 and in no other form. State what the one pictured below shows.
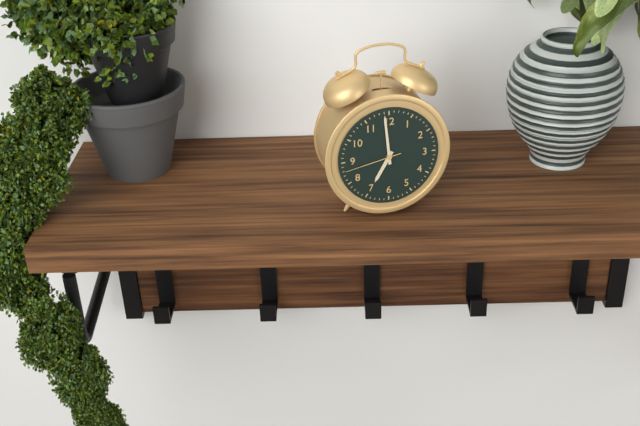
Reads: h=6 m=59 s=43
